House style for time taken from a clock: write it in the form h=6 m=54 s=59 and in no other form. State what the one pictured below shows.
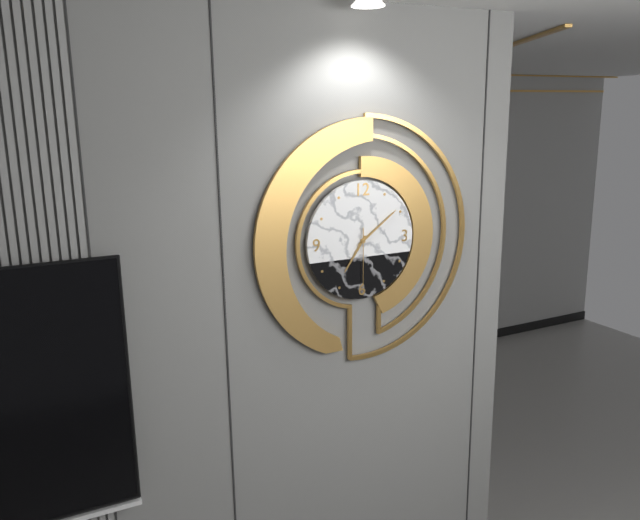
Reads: h=7 m=9 s=30
